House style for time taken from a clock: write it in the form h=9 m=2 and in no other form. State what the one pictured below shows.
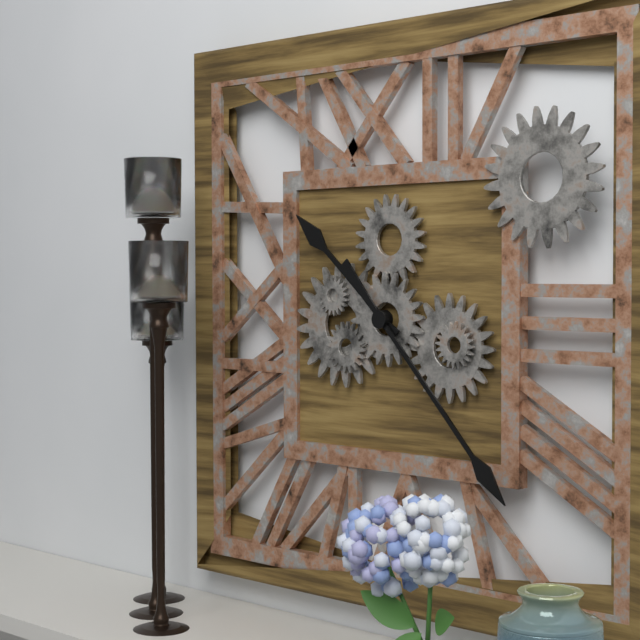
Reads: h=10 m=23
